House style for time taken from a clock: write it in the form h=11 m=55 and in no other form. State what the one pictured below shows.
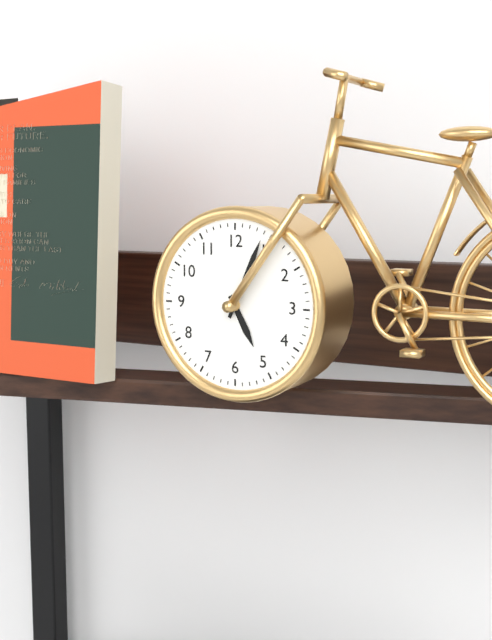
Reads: h=5 m=4
